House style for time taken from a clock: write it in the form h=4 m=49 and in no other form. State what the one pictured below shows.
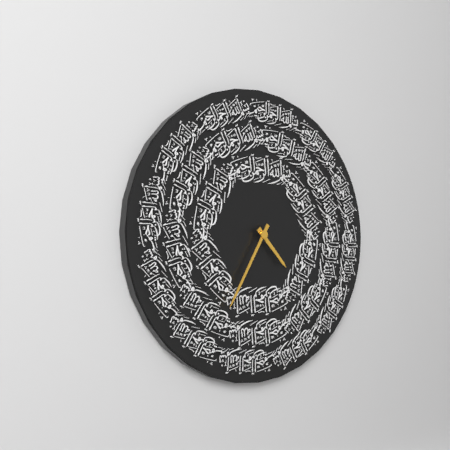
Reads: h=4 m=35
